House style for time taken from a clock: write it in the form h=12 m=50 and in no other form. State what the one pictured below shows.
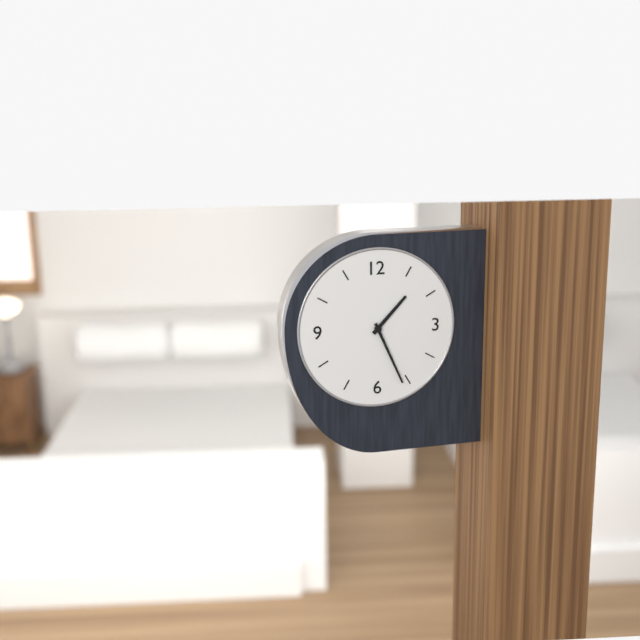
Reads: h=1 m=26
